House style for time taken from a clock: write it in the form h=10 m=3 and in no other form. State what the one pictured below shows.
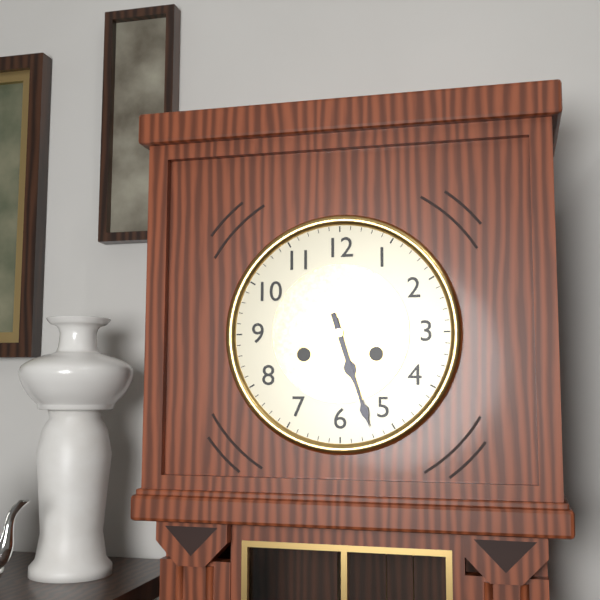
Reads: h=5 m=27
